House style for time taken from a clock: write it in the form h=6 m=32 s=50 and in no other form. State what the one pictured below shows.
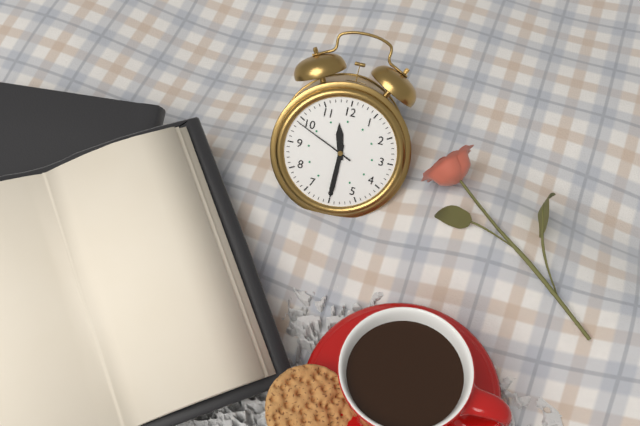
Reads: h=11 m=30 s=49
